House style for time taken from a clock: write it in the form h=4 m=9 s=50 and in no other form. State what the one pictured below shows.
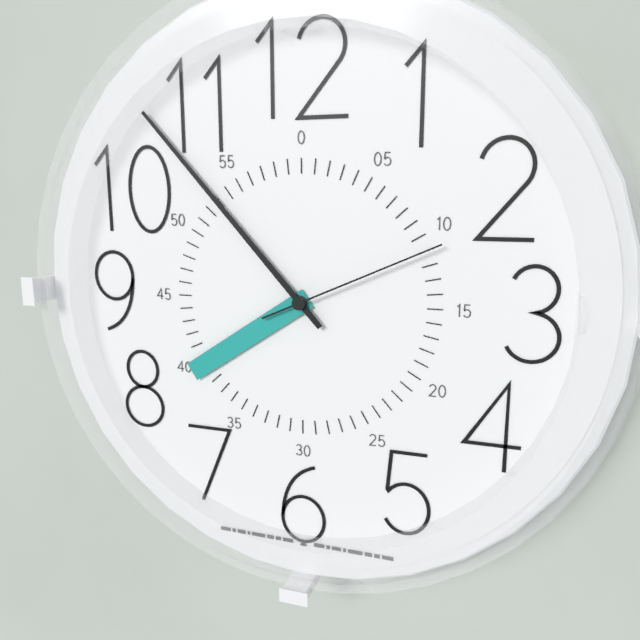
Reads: h=7 m=53 s=11
